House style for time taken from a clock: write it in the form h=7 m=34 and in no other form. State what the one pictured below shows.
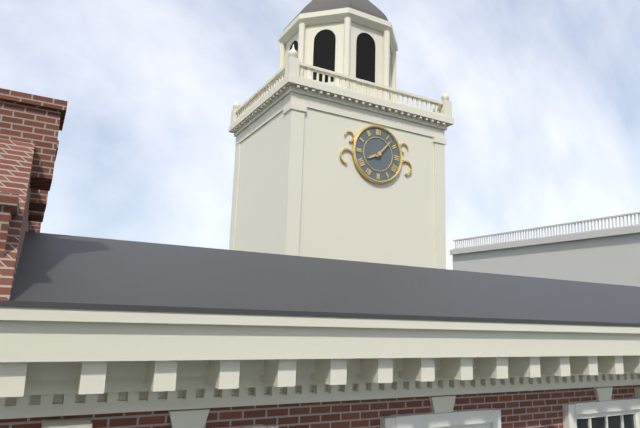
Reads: h=8 m=7
